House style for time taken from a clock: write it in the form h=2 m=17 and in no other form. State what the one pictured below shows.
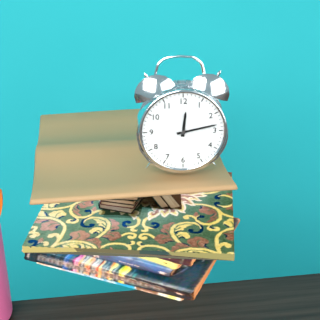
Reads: h=12 m=13
